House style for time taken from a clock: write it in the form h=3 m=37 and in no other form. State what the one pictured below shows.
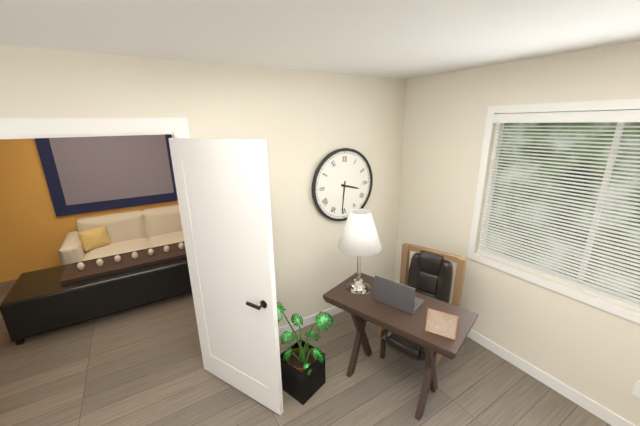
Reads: h=3 m=31
